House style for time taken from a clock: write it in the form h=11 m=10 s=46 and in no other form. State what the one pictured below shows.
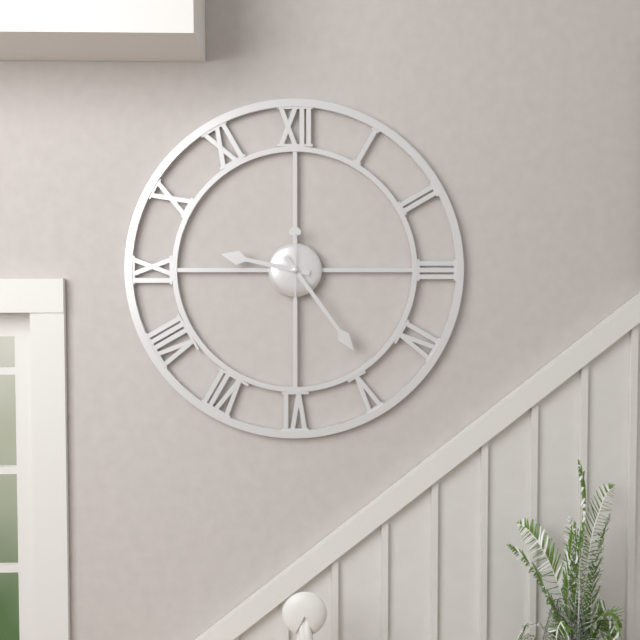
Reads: h=9 m=24 s=30
